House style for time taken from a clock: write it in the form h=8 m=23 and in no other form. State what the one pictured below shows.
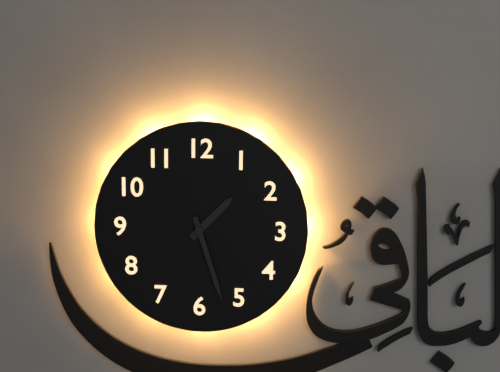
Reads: h=1 m=27
